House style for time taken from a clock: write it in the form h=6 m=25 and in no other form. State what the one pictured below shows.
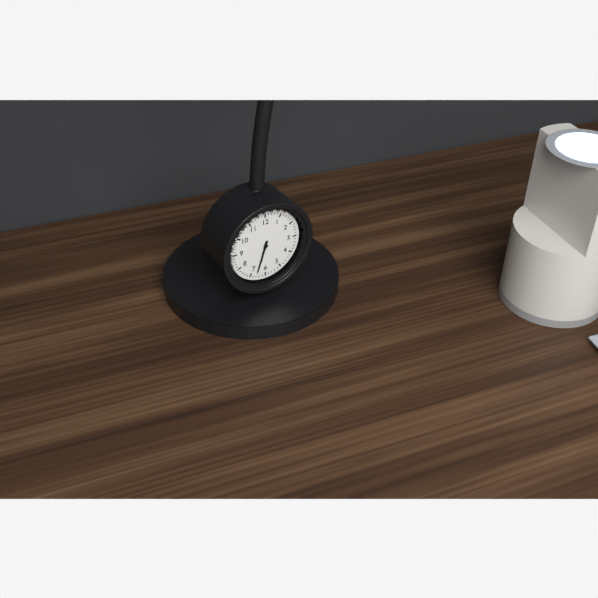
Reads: h=6 m=33
